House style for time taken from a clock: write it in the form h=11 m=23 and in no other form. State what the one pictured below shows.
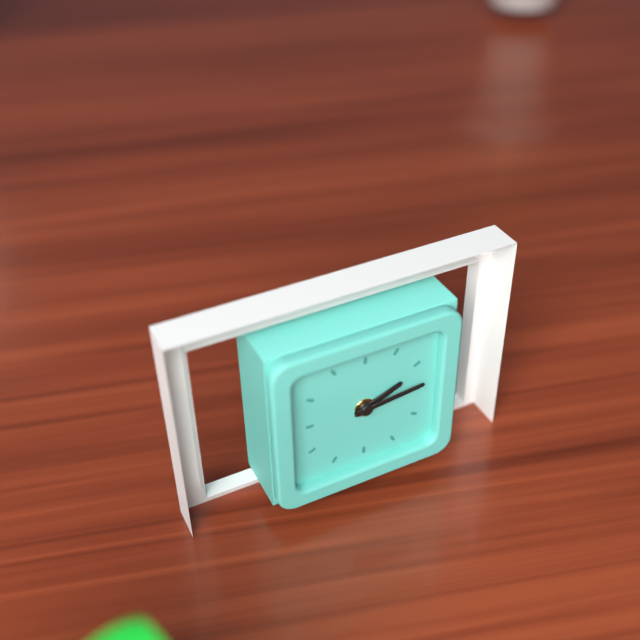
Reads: h=2 m=14
